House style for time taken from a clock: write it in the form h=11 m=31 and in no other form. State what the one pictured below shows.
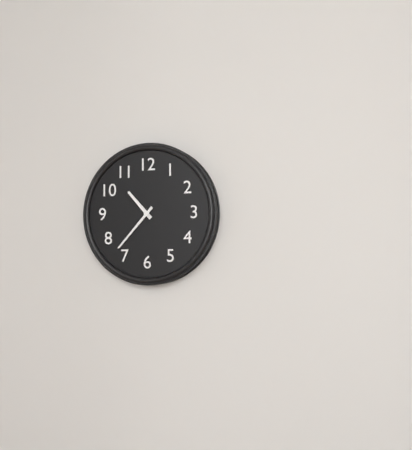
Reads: h=10 m=37
